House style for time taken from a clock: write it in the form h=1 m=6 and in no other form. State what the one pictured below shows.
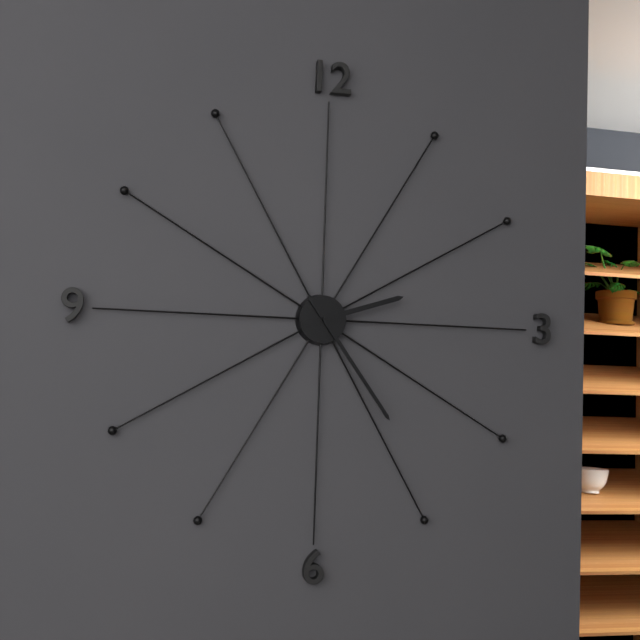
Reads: h=2 m=24
